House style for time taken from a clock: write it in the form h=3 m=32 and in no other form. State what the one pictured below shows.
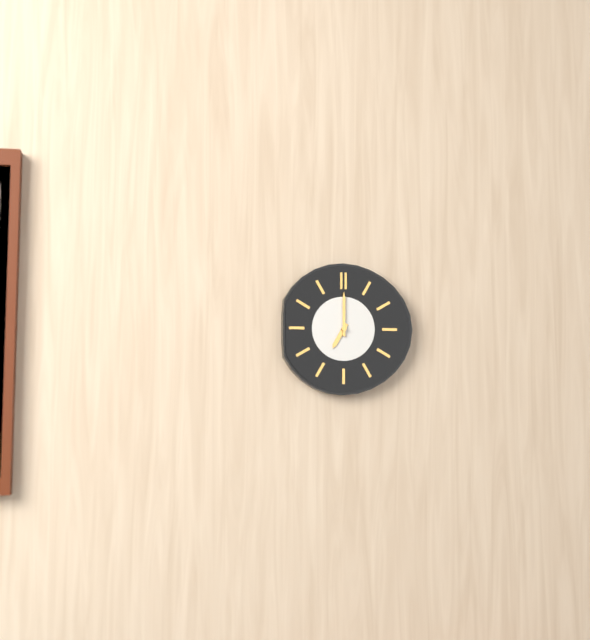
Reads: h=7 m=0
